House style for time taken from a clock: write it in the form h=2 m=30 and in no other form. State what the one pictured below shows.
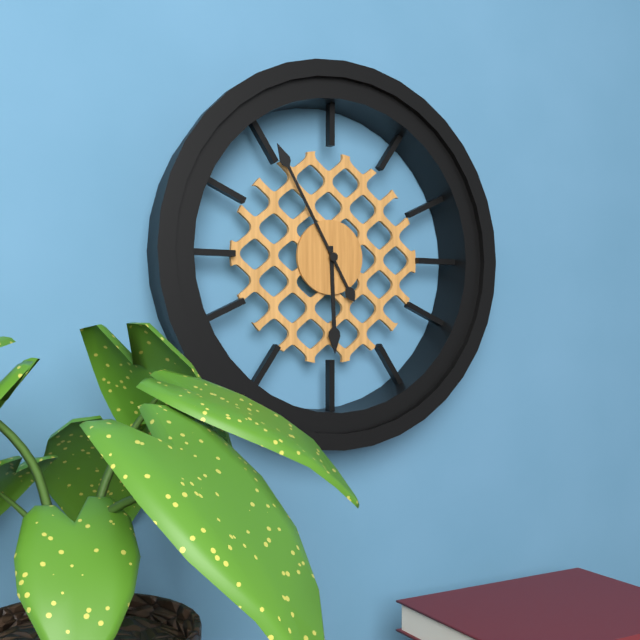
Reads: h=5 m=55
